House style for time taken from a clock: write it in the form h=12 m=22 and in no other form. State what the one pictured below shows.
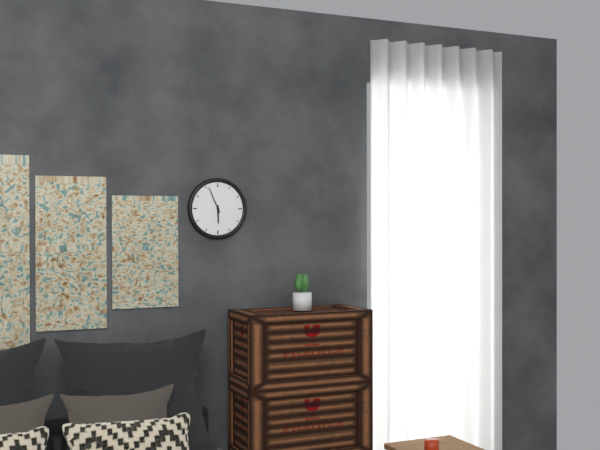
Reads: h=5 m=56
